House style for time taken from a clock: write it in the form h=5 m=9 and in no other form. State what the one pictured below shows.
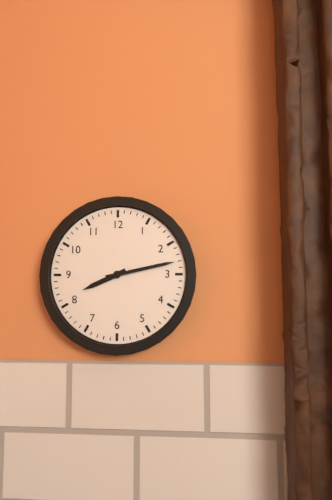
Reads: h=8 m=13
